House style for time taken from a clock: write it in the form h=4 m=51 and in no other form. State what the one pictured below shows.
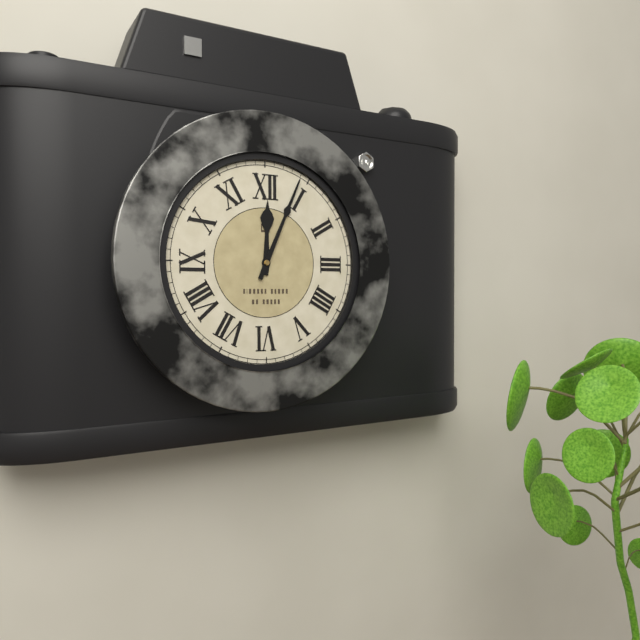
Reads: h=12 m=4
